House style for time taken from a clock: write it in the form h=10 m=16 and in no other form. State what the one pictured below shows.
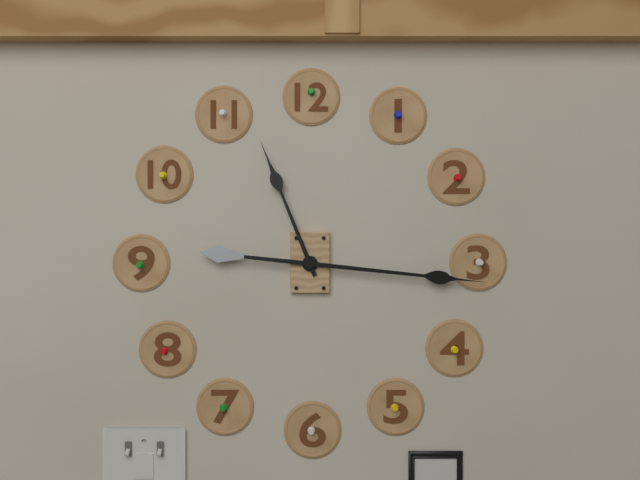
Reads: h=11 m=16
